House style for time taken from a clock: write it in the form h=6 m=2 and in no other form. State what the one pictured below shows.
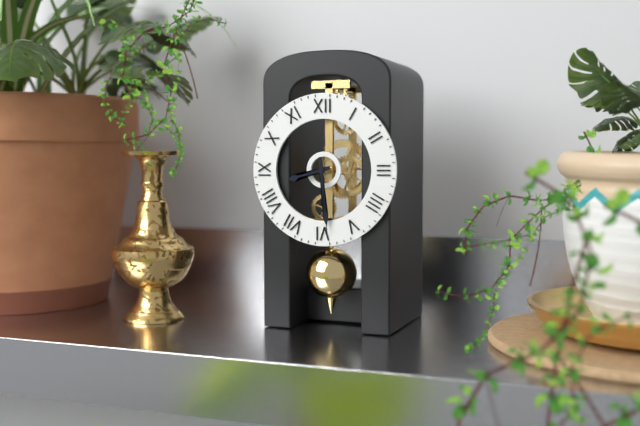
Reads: h=8 m=29
